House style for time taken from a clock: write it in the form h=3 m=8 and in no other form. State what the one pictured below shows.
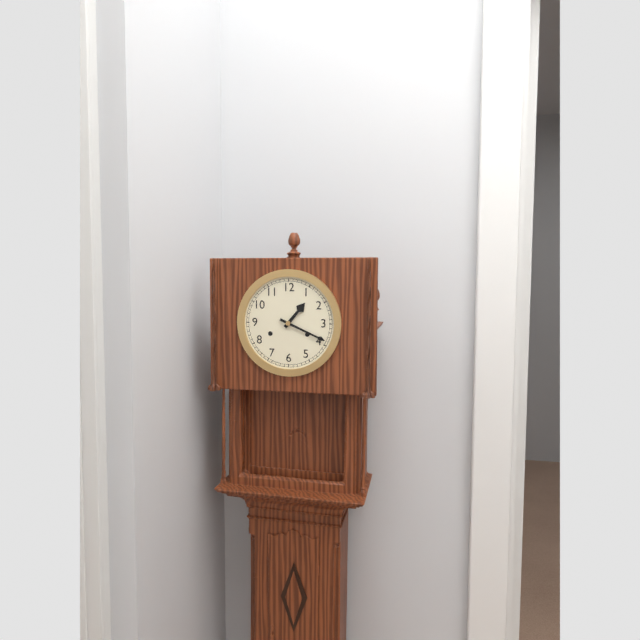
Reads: h=1 m=19
